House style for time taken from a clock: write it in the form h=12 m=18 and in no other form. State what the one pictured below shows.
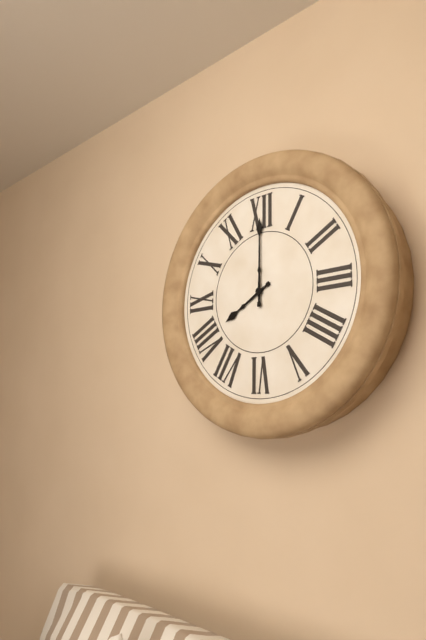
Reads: h=8 m=0
